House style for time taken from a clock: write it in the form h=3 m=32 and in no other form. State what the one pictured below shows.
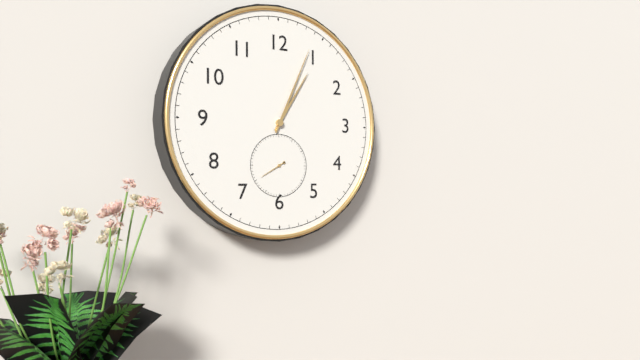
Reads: h=1 m=4
